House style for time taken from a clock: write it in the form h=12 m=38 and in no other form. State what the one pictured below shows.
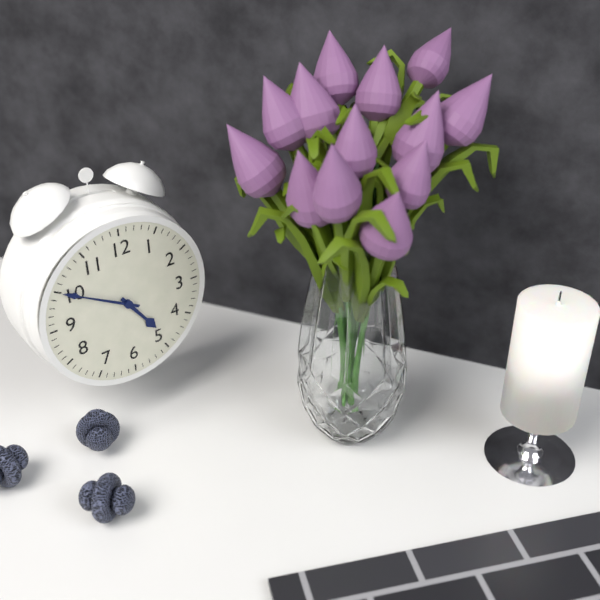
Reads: h=4 m=50
